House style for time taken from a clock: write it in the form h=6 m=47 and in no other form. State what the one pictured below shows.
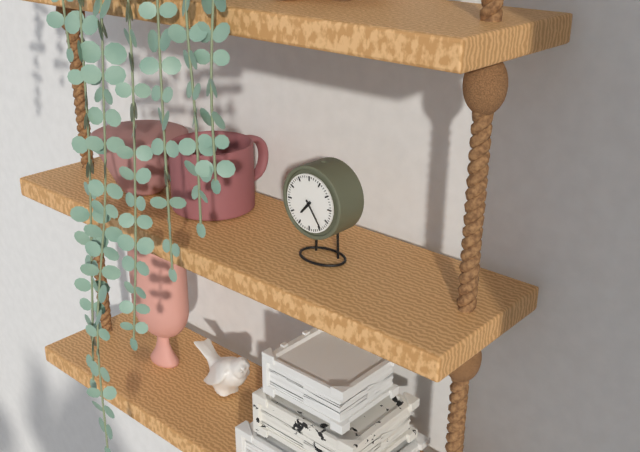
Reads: h=7 m=24
